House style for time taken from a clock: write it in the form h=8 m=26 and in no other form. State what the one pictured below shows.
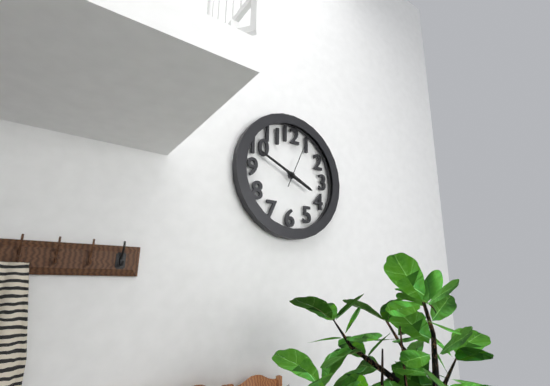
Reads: h=3 m=49
